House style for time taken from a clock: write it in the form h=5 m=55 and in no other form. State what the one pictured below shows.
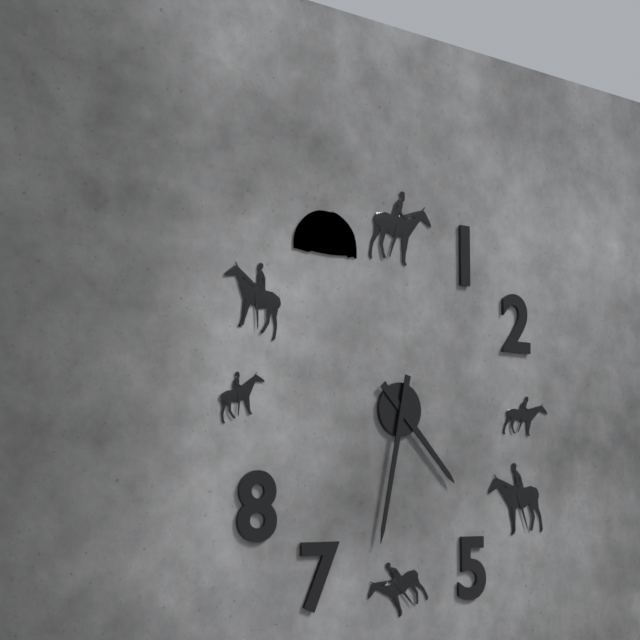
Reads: h=4 m=32
